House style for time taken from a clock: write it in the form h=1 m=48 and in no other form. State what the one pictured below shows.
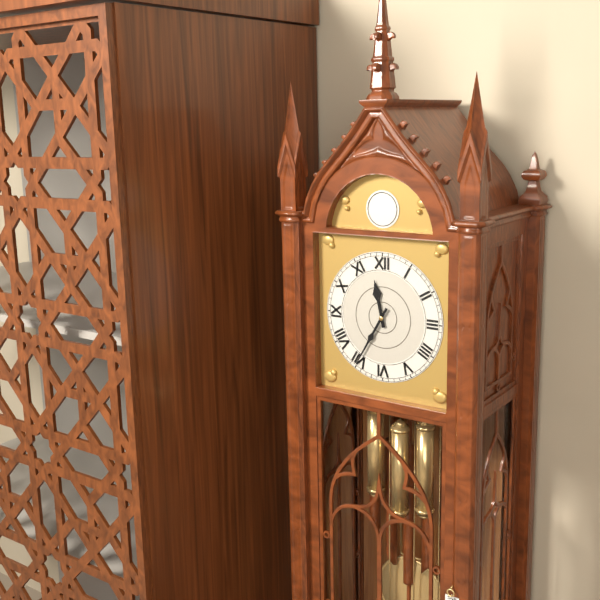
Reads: h=11 m=35
